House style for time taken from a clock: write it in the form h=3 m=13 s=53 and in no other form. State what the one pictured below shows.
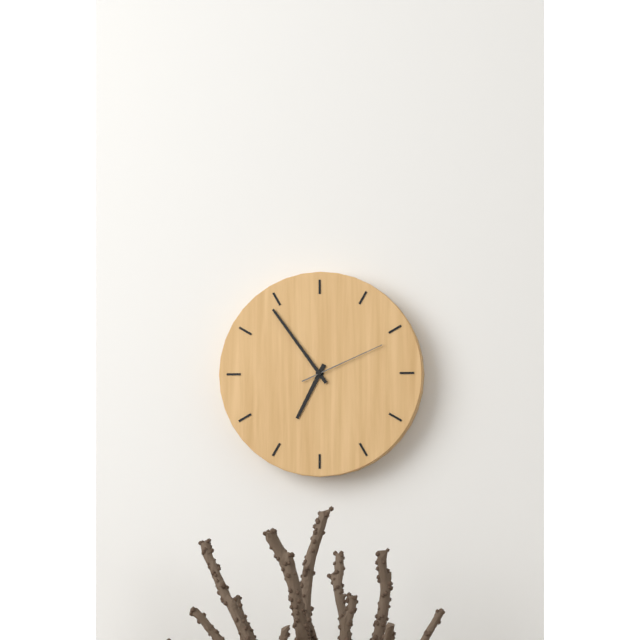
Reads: h=6 m=54 s=11
